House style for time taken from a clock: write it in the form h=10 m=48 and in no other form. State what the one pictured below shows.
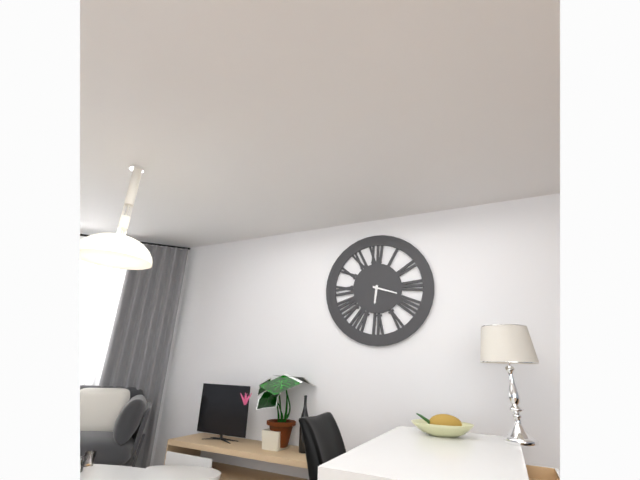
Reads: h=6 m=18
